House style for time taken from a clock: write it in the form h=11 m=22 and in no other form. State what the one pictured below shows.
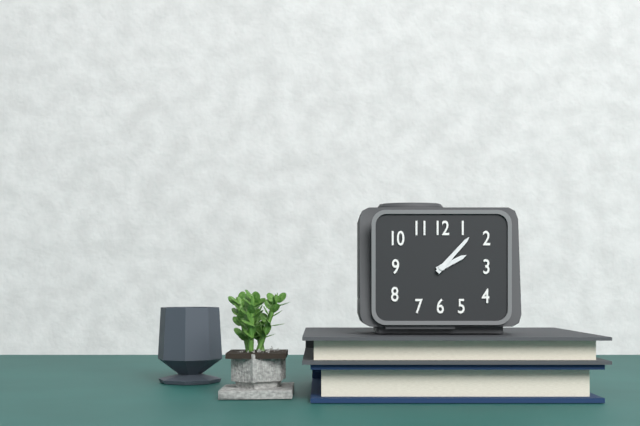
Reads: h=2 m=7
